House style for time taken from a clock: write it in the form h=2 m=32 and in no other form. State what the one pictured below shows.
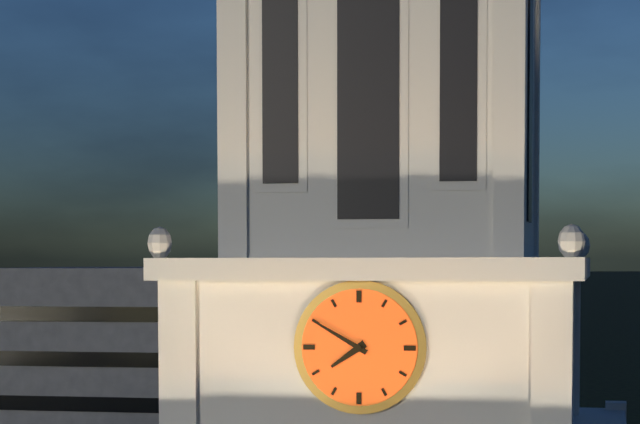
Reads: h=7 m=50
